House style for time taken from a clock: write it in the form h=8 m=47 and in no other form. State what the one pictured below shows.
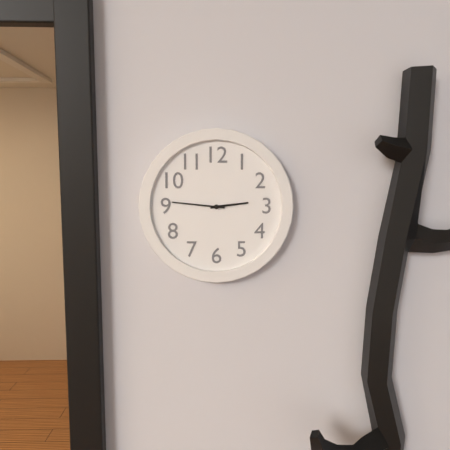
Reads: h=2 m=46
